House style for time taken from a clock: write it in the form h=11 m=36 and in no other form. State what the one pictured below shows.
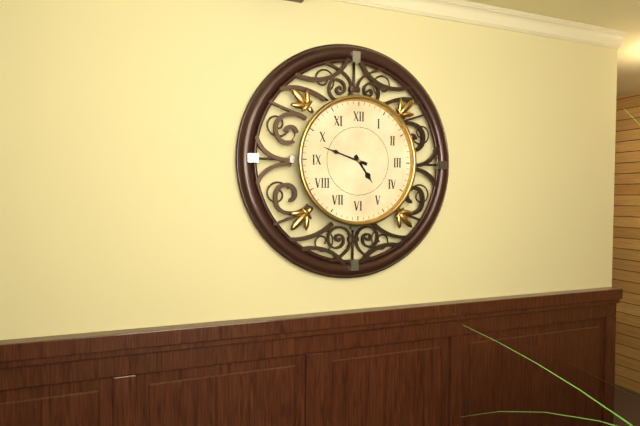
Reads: h=4 m=48
